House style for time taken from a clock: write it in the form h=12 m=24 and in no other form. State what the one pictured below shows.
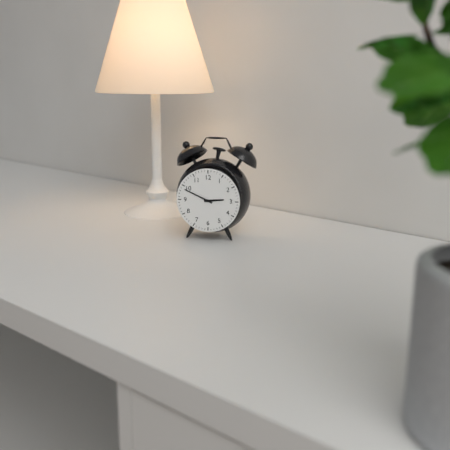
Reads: h=2 m=49
